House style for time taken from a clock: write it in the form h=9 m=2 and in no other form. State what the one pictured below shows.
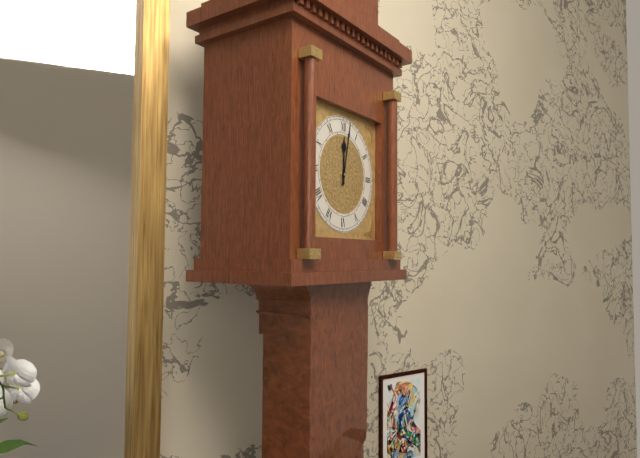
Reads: h=12 m=2
